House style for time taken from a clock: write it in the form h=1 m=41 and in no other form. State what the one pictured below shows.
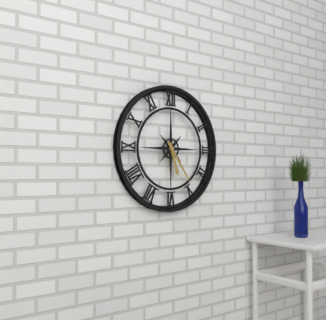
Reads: h=5 m=24
